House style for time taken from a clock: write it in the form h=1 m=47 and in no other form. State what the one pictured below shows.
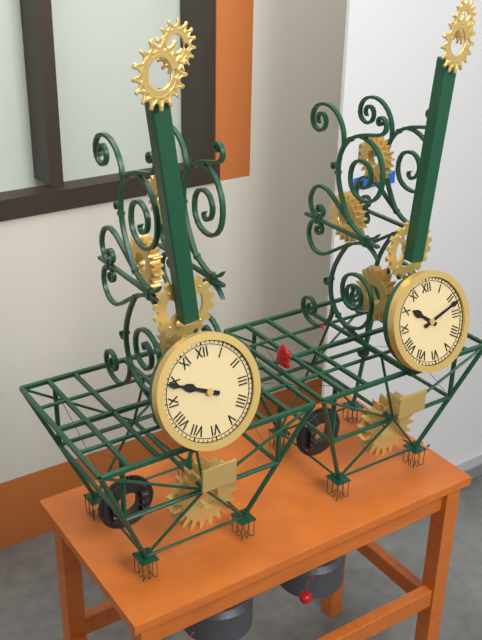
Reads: h=9 m=49
